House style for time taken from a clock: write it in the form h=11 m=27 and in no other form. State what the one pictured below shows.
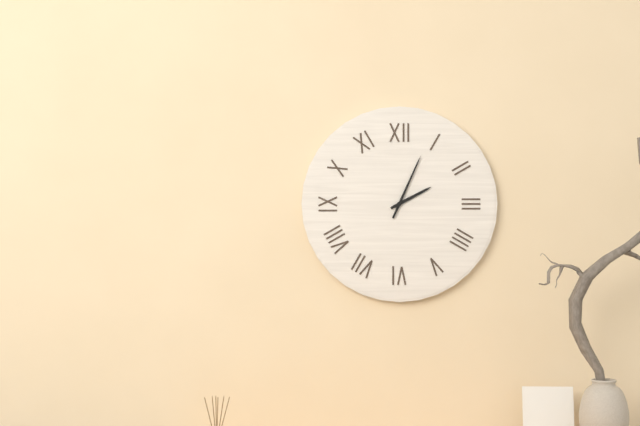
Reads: h=2 m=4
